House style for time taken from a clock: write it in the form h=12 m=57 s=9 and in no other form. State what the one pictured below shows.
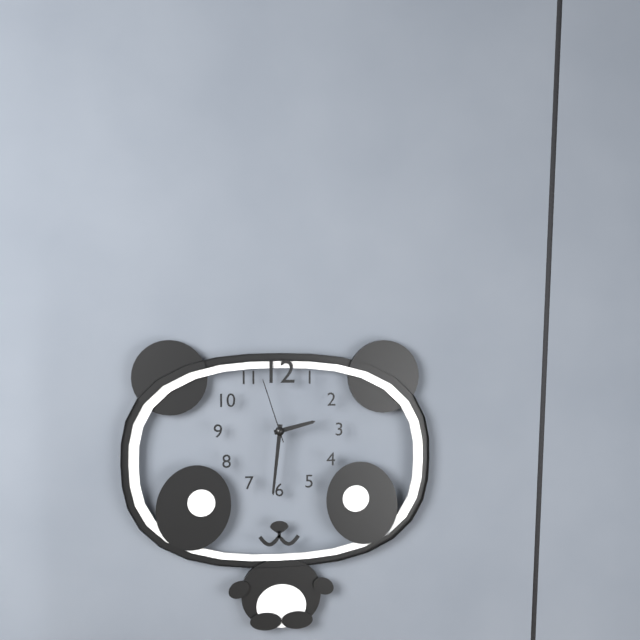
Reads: h=2 m=31 s=57
